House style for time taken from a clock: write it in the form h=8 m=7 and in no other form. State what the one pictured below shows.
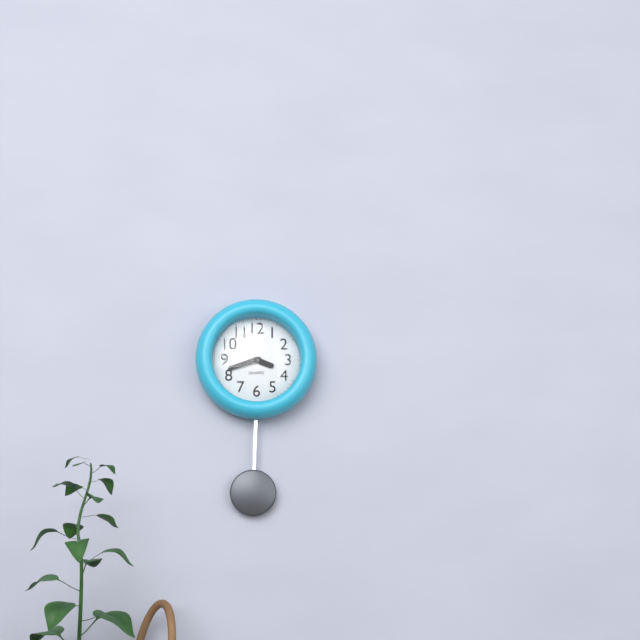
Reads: h=3 m=42
